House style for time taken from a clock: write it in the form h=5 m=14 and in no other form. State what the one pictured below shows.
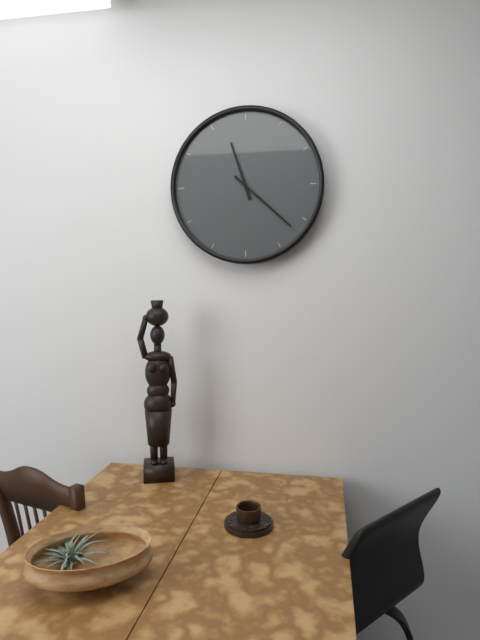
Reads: h=11 m=22
